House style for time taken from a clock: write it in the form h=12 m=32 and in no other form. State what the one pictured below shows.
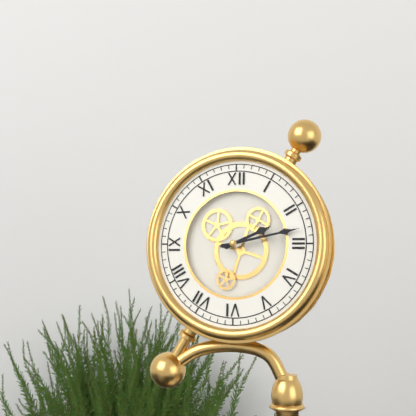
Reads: h=2 m=13
